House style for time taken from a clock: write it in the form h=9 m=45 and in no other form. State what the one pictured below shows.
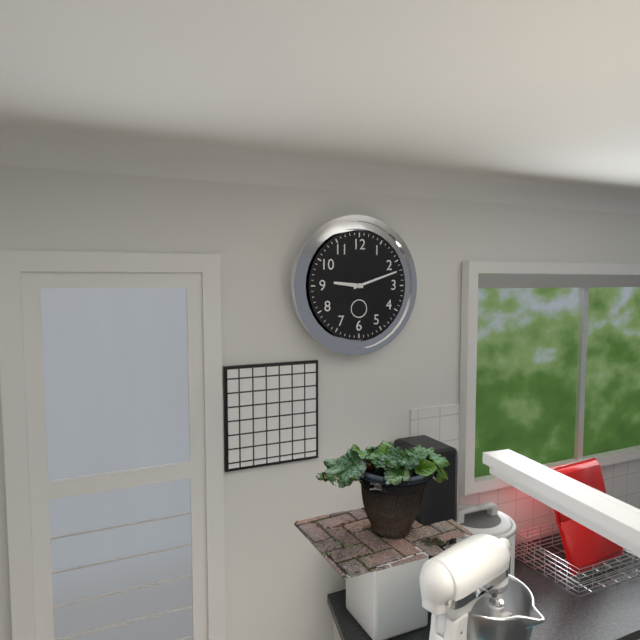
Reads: h=9 m=12
